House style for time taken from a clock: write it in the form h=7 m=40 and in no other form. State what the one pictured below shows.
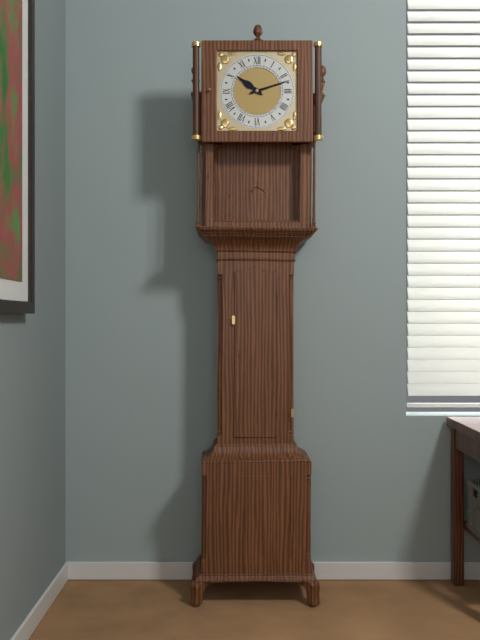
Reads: h=10 m=12
